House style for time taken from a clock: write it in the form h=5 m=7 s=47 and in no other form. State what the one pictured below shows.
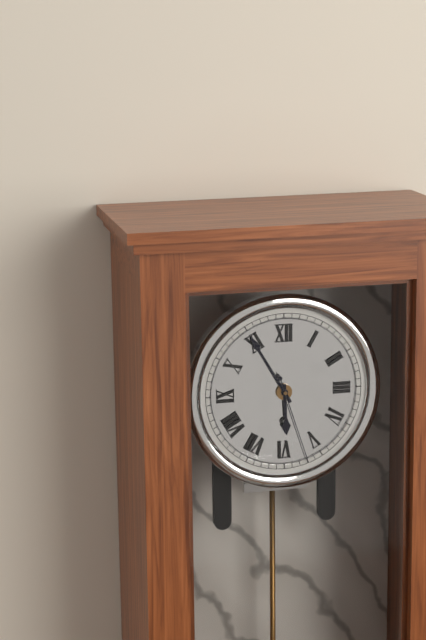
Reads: h=5 m=55 s=27
